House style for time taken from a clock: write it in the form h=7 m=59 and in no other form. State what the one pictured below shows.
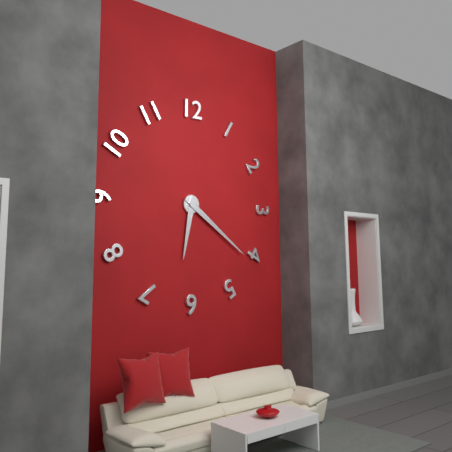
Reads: h=6 m=21
